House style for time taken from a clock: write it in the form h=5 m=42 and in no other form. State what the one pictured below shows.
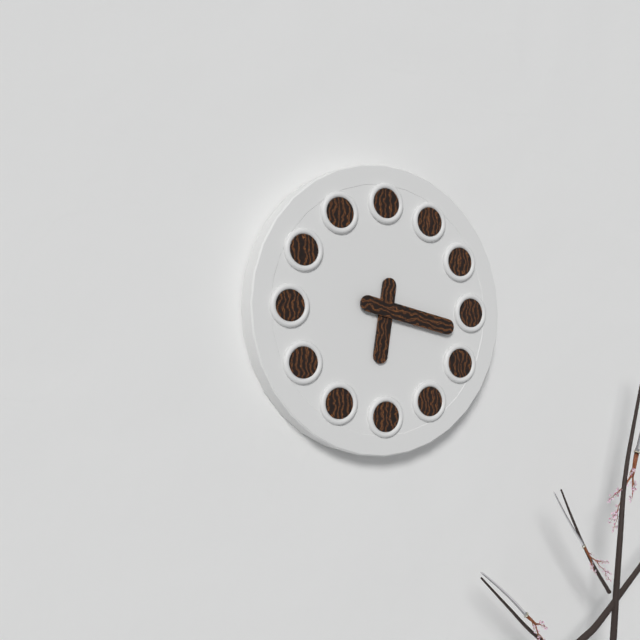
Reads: h=6 m=17
